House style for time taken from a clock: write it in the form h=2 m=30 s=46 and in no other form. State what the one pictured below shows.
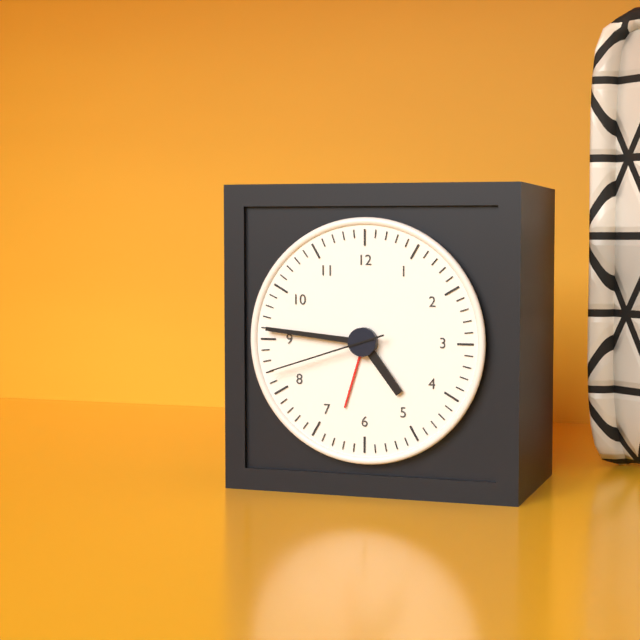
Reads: h=4 m=46 s=42
